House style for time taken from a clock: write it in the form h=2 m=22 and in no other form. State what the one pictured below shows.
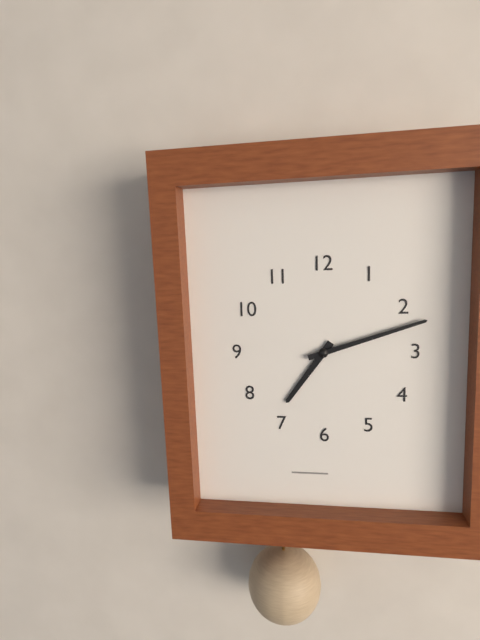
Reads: h=7 m=12
